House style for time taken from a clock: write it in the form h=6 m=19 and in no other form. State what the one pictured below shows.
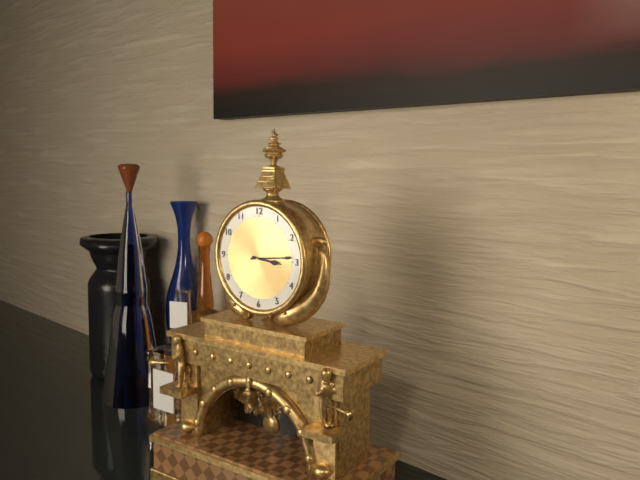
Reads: h=3 m=14
